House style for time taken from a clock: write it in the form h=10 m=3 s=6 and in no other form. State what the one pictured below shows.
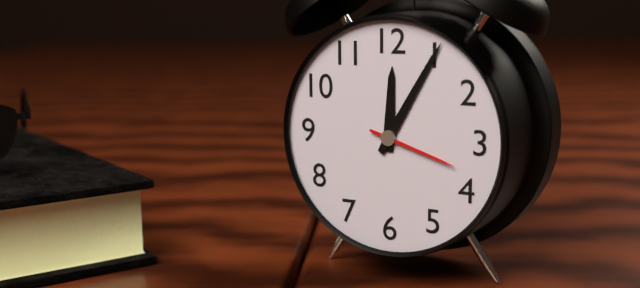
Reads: h=12 m=5 s=18
